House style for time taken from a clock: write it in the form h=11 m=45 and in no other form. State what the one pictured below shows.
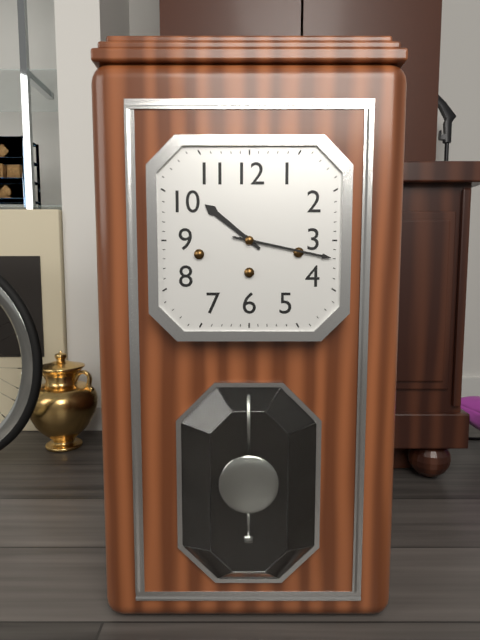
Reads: h=10 m=17
